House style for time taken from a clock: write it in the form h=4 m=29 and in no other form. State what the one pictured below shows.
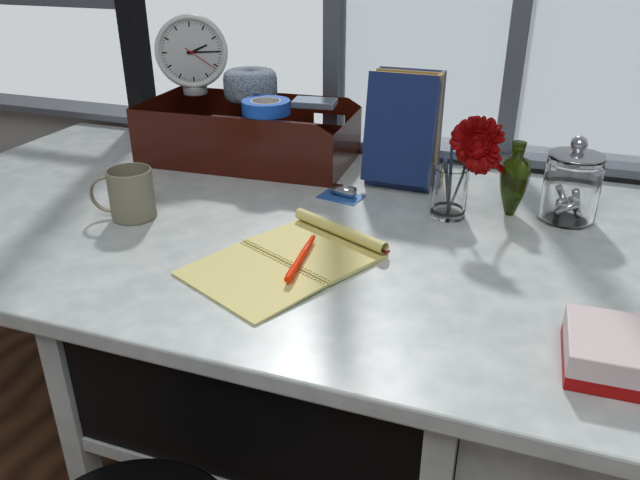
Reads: h=2 m=15
